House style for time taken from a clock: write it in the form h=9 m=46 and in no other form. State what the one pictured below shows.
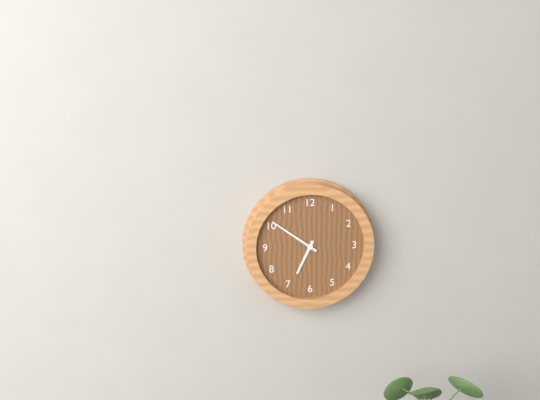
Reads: h=6 m=51
